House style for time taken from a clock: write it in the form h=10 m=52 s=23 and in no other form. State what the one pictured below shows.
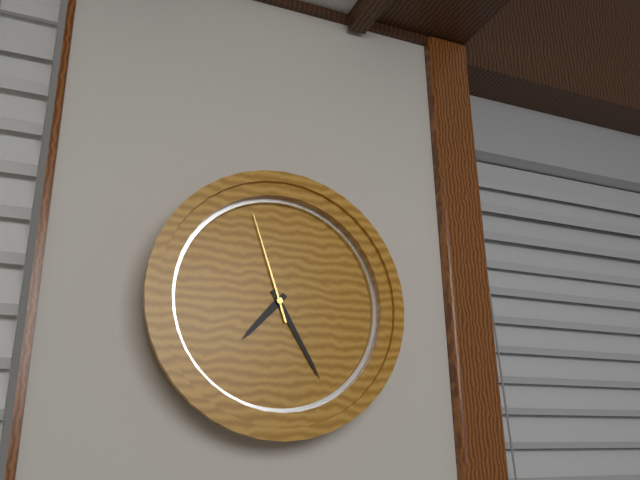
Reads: h=7 m=25 s=57
